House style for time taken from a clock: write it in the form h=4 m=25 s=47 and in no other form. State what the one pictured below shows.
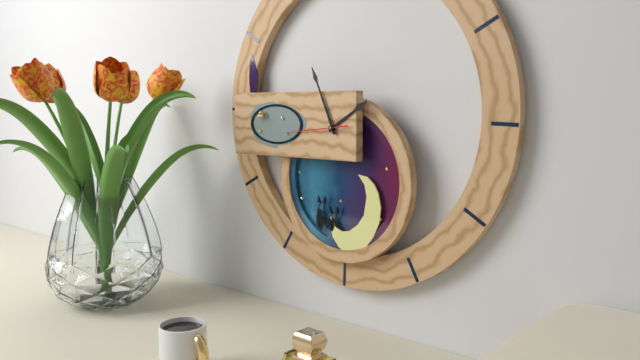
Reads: h=1 m=56 s=44
